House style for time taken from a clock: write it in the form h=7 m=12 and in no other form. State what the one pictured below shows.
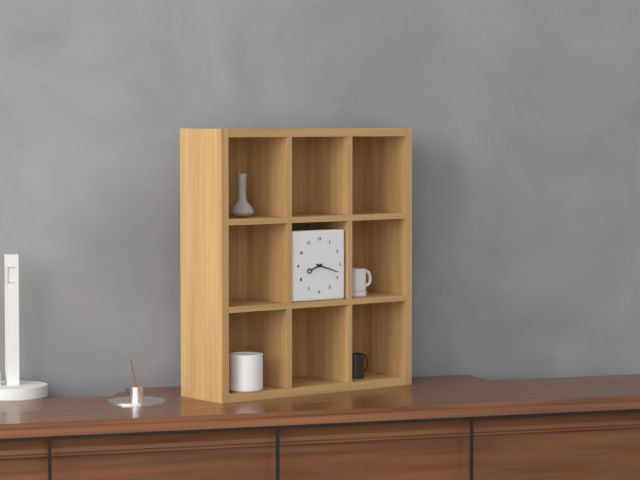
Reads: h=8 m=18
